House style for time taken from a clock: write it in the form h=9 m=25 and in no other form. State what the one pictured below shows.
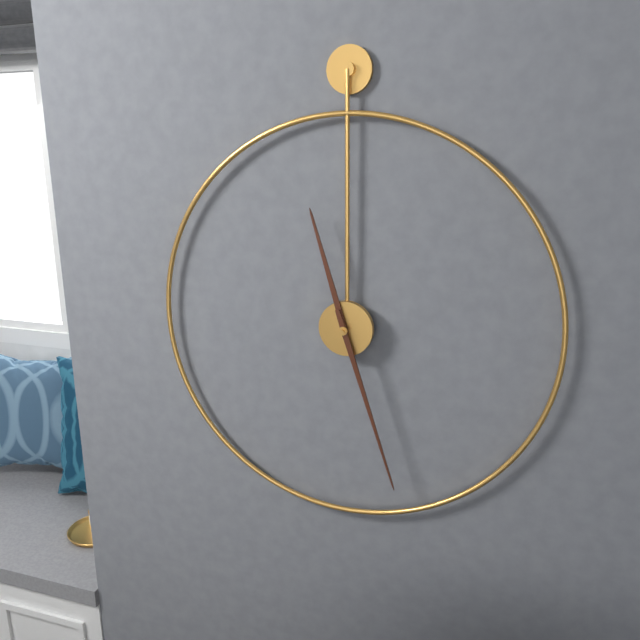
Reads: h=11 m=27
